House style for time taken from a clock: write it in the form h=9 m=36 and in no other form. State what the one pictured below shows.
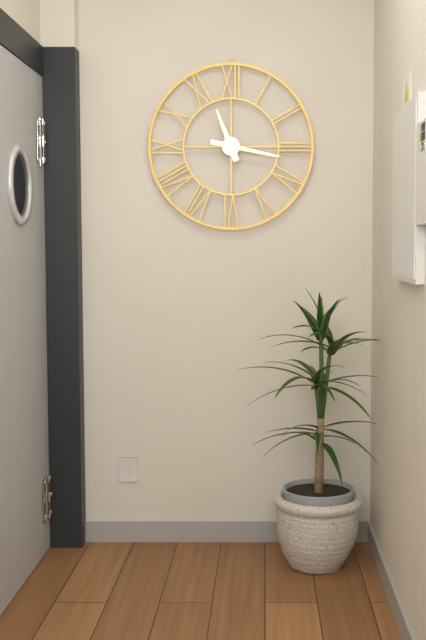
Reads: h=11 m=17
